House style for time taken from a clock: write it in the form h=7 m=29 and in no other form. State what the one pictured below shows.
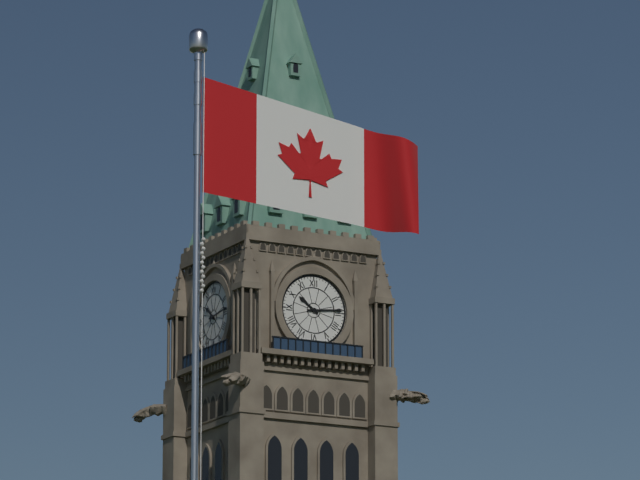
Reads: h=10 m=14
